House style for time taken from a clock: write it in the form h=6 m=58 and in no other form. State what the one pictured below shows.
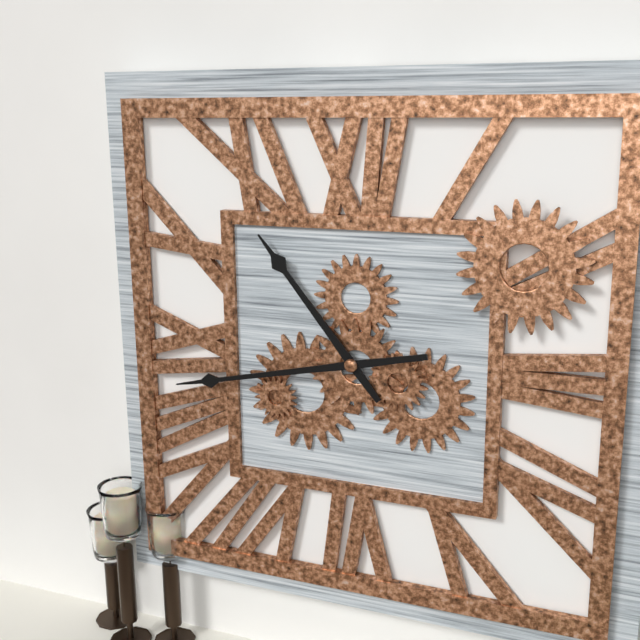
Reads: h=10 m=43
